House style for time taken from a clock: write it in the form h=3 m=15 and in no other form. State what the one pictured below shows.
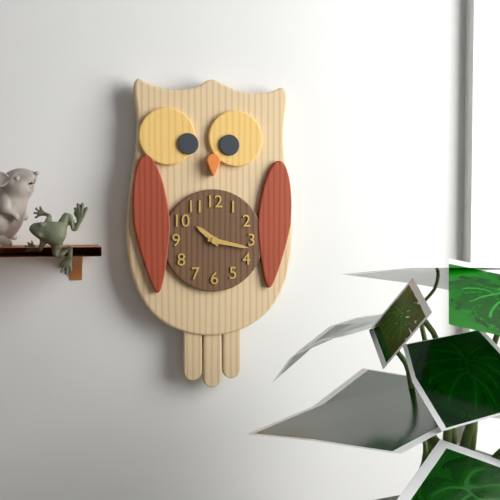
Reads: h=10 m=17
